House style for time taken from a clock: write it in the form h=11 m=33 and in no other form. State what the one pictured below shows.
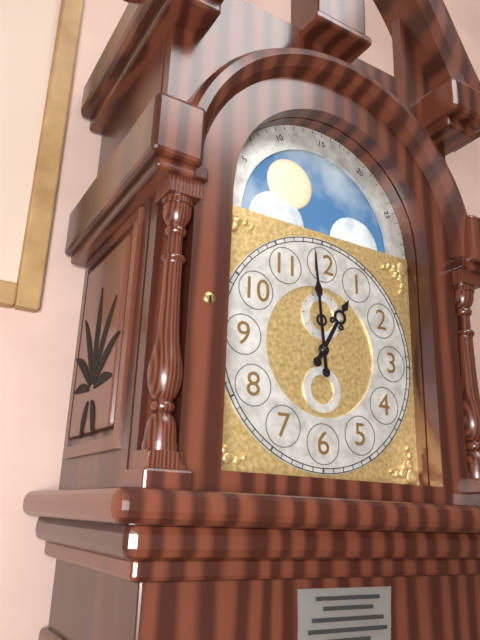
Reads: h=12 m=59
